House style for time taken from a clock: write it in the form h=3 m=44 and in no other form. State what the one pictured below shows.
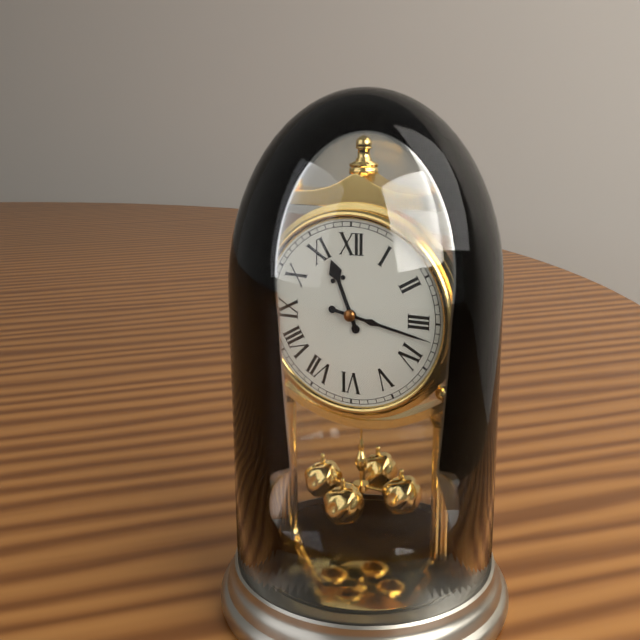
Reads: h=11 m=17
